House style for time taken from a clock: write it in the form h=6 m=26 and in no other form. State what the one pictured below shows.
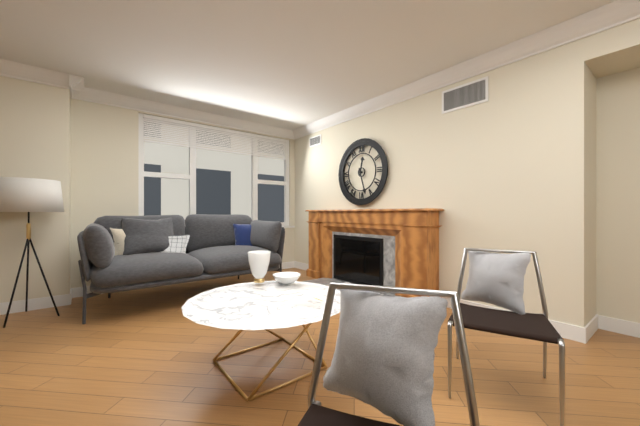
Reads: h=12 m=27
